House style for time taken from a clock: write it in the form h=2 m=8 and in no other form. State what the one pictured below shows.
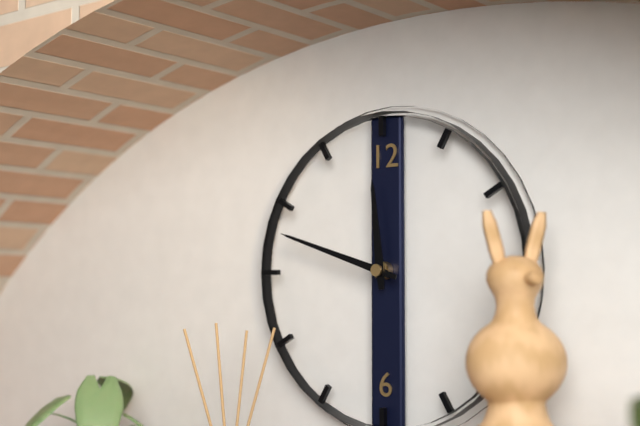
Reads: h=11 m=48
